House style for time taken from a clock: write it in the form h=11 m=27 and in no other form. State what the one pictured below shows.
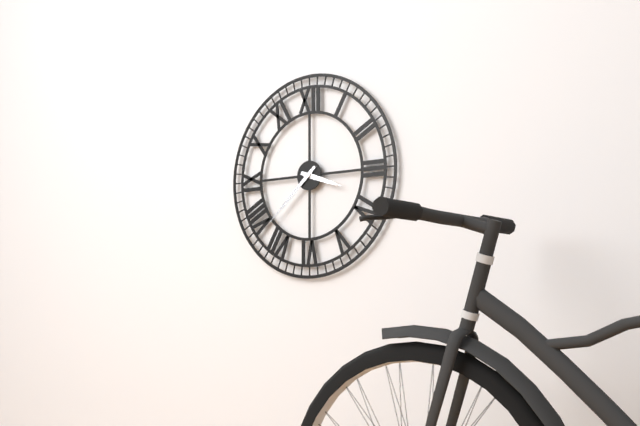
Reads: h=3 m=38
